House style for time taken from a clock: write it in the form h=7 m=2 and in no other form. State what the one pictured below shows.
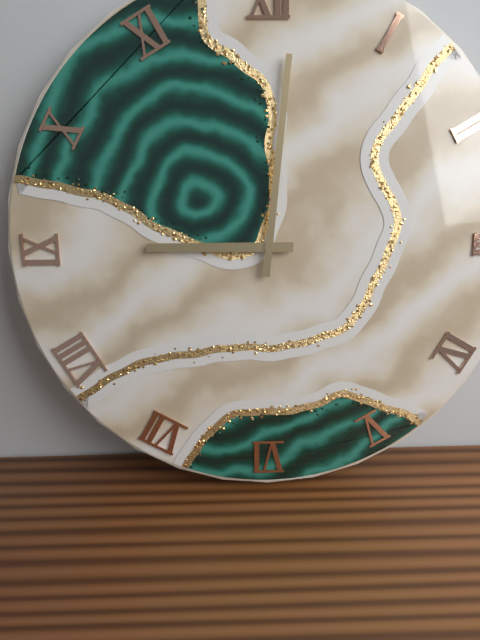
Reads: h=9 m=1
